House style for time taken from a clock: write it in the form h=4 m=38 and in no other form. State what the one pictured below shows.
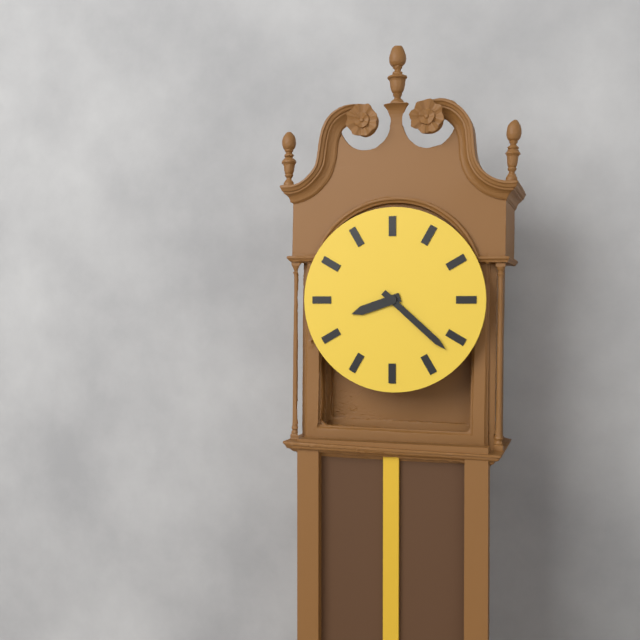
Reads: h=8 m=22
